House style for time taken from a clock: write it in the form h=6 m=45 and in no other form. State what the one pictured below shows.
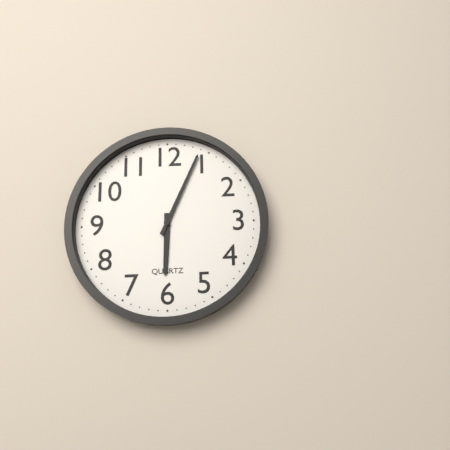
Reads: h=6 m=4
